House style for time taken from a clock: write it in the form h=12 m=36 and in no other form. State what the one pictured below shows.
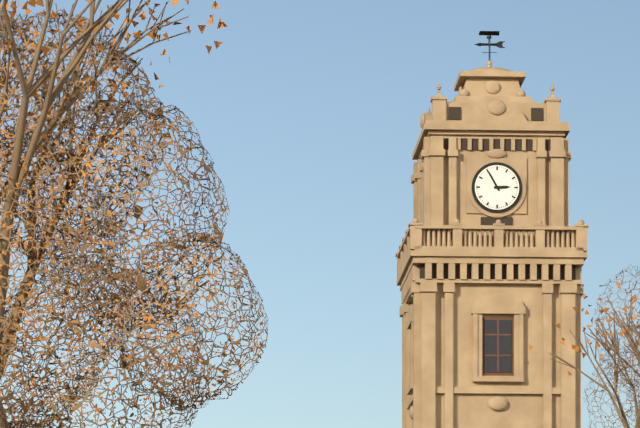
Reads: h=2 m=55
